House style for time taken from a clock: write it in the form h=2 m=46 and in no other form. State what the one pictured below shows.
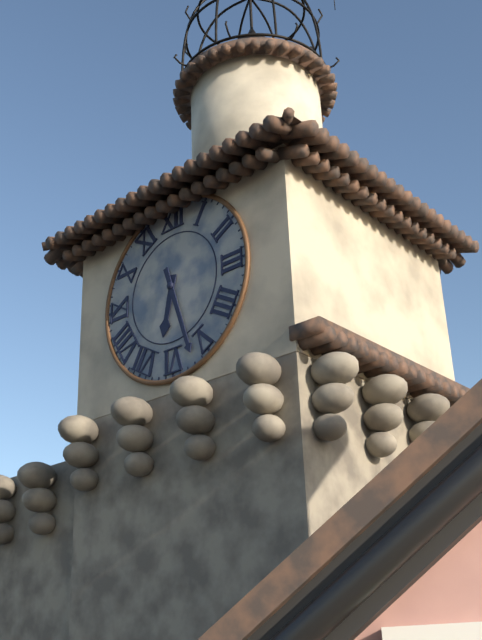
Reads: h=6 m=27
